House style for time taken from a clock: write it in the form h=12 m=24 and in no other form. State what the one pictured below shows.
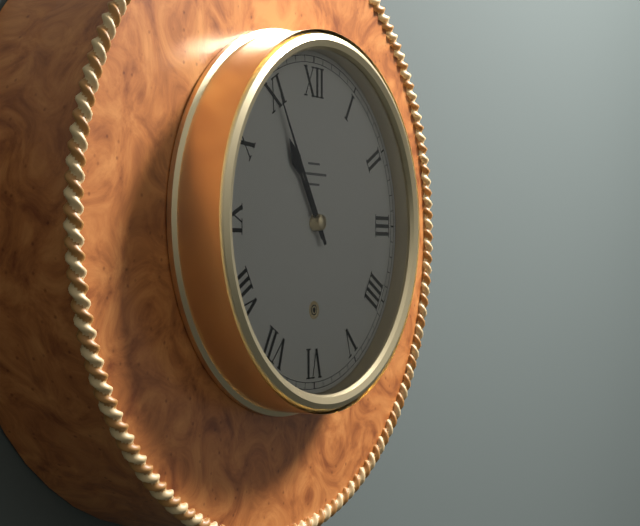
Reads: h=10 m=55
